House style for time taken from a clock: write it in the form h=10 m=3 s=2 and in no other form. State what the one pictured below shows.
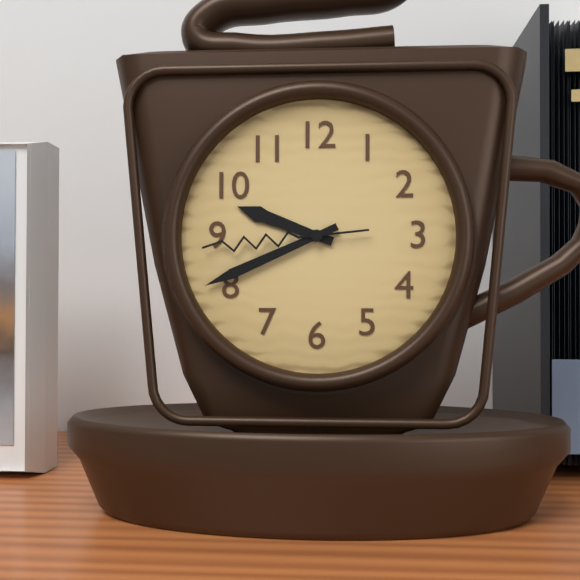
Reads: h=9 m=41 s=44
